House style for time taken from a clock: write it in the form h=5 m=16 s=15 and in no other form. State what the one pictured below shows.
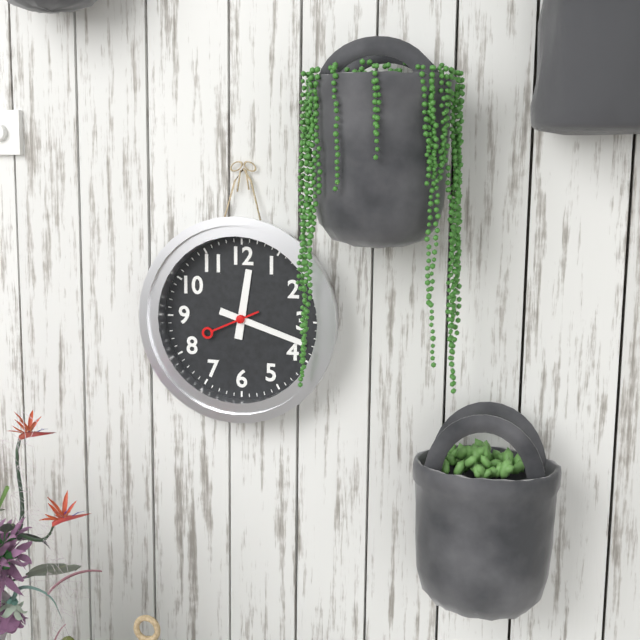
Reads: h=12 m=18 s=41
